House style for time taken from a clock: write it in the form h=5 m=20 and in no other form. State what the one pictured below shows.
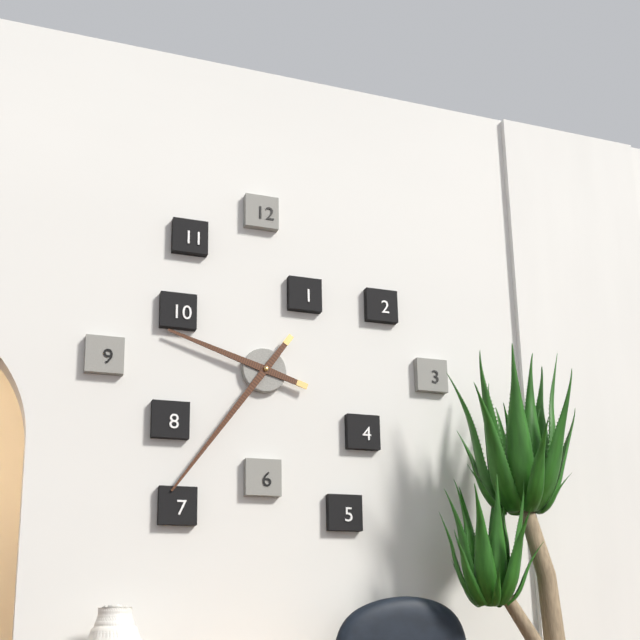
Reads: h=9 m=36
